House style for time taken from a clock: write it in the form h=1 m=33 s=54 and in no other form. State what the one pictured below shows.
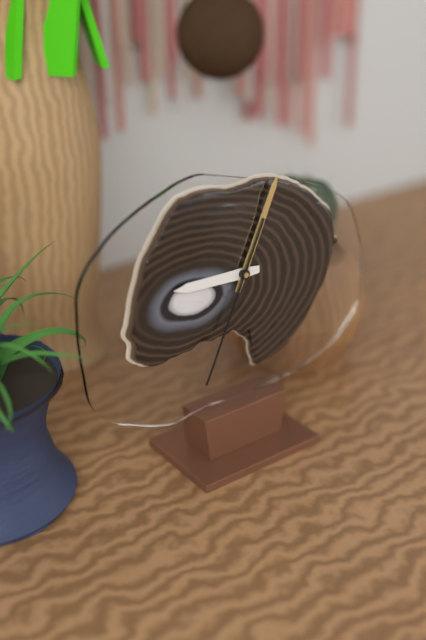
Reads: h=9 m=4 s=34
